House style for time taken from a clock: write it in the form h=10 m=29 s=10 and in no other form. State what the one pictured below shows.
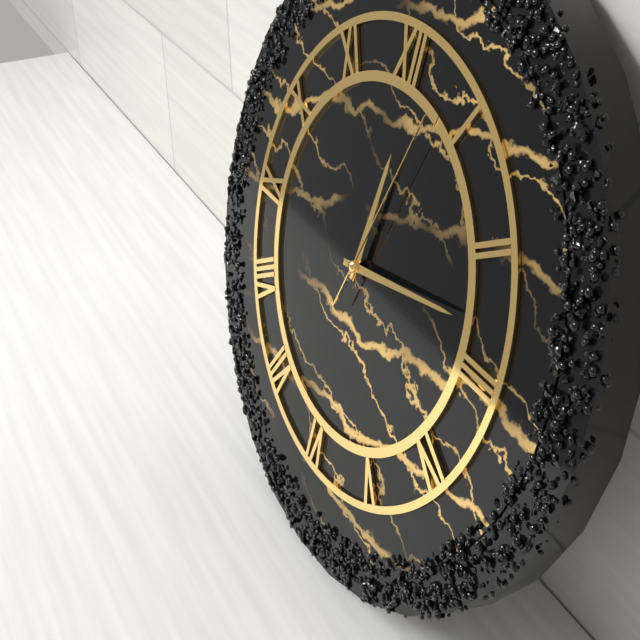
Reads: h=12 m=13 s=3
